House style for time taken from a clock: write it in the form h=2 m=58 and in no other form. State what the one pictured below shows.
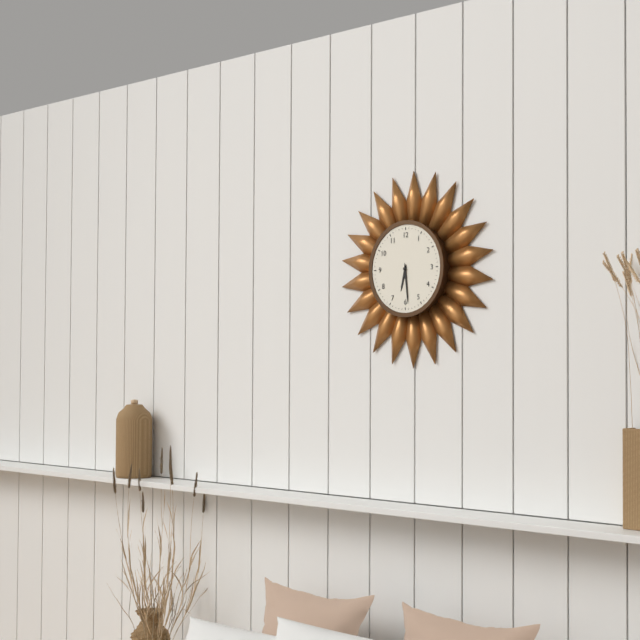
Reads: h=6 m=29
